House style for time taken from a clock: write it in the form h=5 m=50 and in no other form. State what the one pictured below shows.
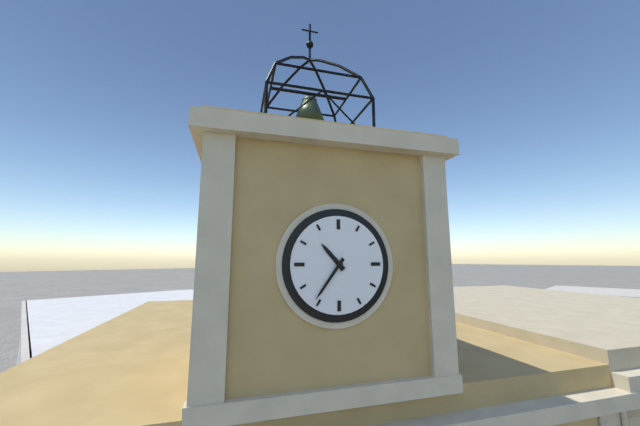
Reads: h=10 m=36
